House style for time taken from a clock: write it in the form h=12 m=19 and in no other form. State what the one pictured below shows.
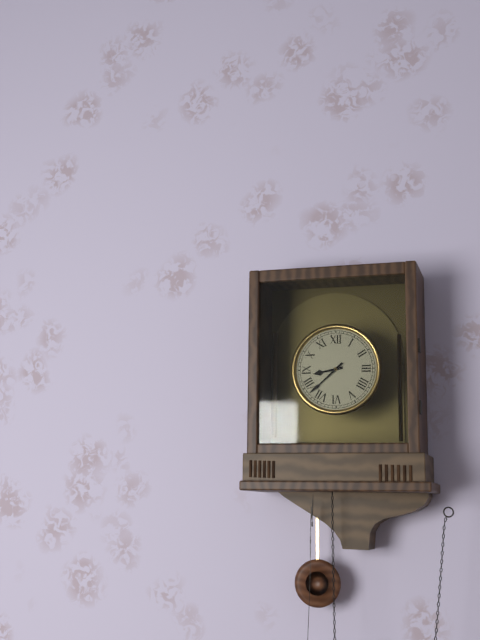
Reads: h=8 m=38
